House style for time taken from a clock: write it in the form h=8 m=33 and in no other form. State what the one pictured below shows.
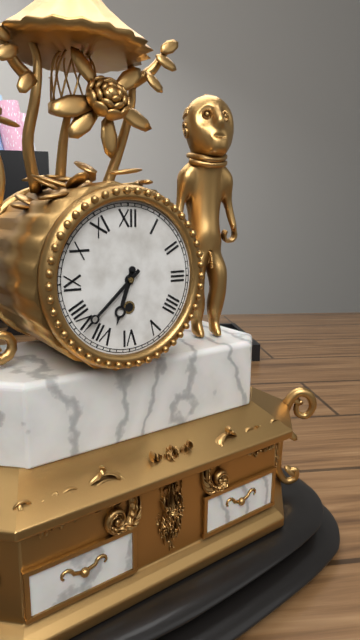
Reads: h=6 m=38
